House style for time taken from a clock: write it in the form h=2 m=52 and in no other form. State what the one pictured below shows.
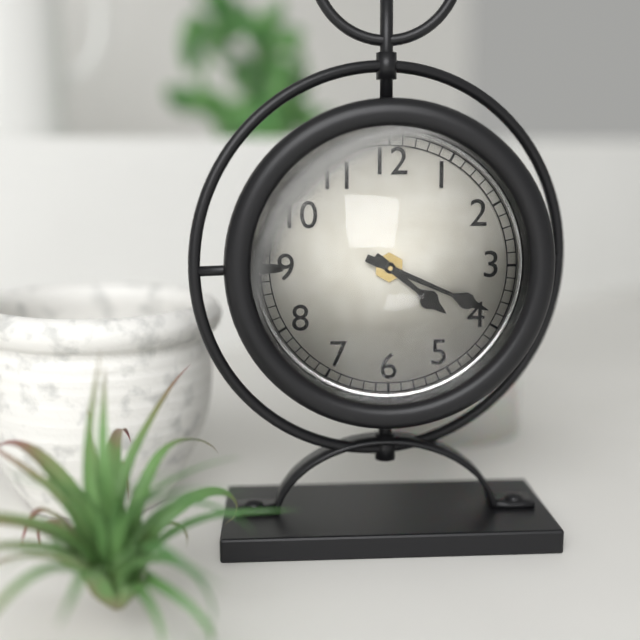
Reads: h=4 m=19
